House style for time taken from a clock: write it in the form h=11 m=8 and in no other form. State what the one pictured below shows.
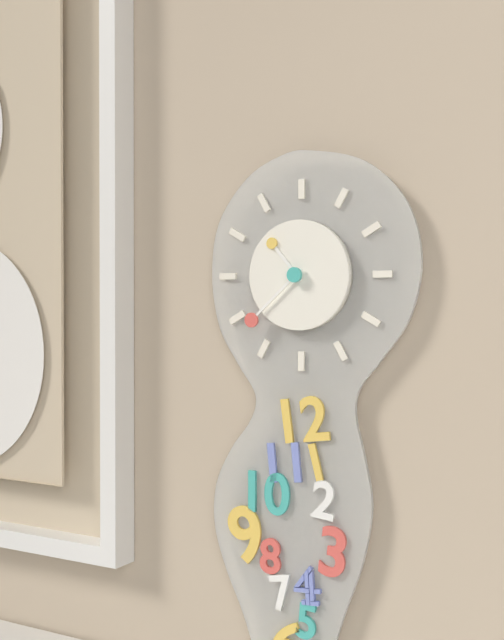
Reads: h=10 m=38
